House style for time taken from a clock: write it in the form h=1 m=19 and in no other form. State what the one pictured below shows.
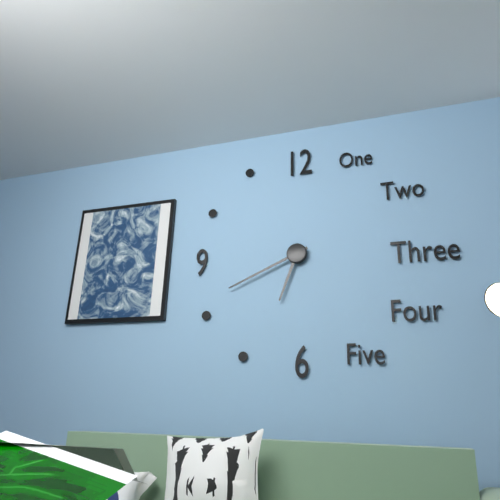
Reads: h=6 m=41
